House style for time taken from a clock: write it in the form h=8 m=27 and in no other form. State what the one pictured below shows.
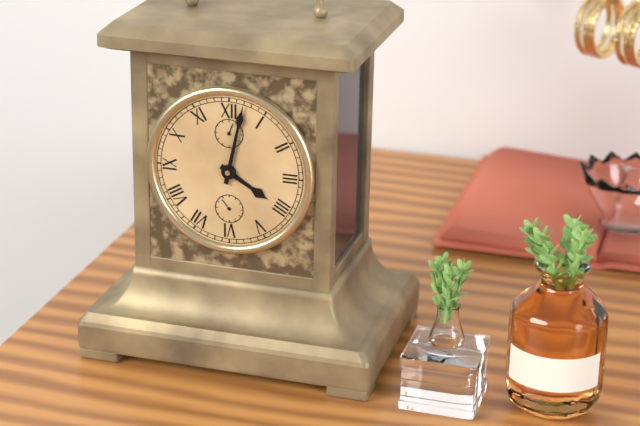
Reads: h=4 m=2
